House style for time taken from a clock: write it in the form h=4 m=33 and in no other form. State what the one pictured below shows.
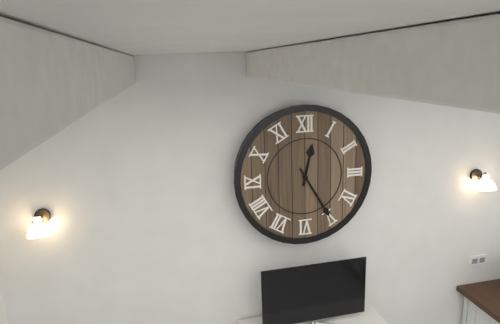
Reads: h=12 m=25
